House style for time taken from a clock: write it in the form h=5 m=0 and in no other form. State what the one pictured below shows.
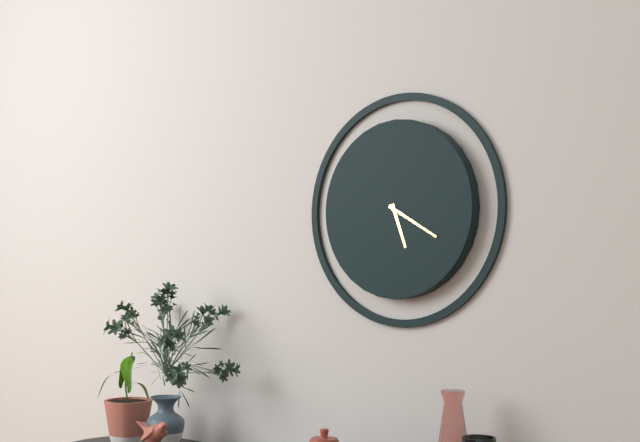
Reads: h=5 m=20
